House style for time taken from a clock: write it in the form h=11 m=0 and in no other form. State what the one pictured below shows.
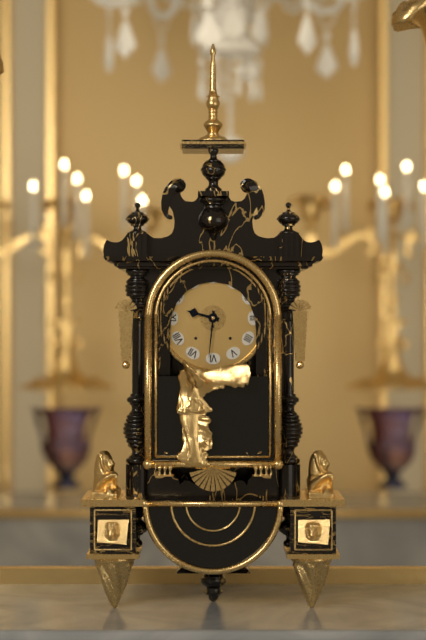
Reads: h=9 m=31
